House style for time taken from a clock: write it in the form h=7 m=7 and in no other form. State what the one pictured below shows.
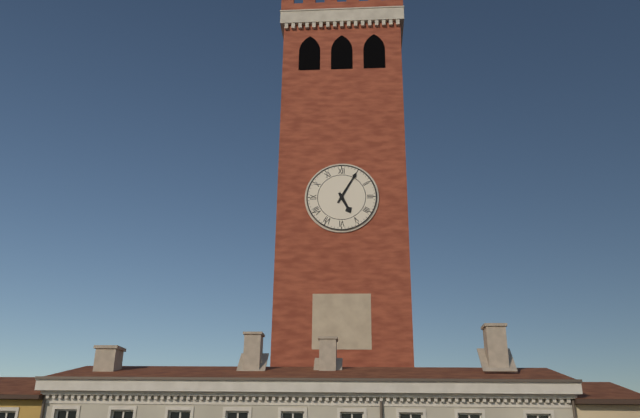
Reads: h=5 m=5
